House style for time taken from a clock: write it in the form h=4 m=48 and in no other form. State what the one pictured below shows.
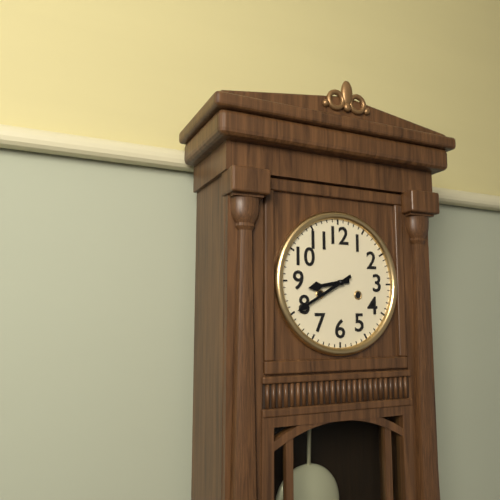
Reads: h=8 m=40
